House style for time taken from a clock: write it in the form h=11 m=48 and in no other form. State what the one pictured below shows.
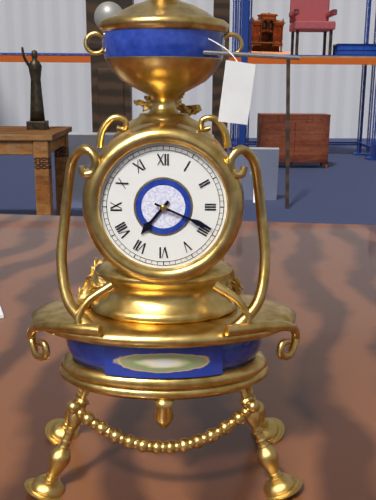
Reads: h=7 m=19
